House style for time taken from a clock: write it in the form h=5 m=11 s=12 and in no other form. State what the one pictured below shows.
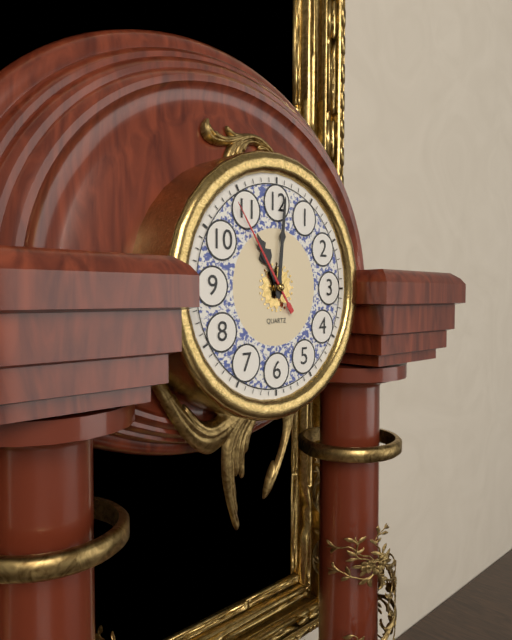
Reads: h=11 m=1 s=54
